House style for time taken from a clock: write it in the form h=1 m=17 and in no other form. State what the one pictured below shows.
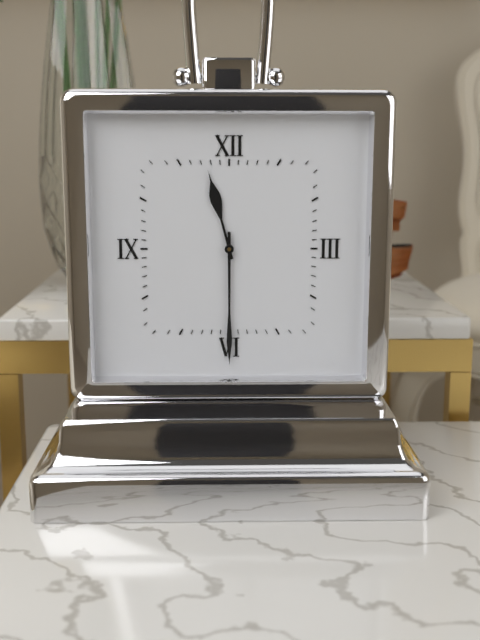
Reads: h=11 m=30
